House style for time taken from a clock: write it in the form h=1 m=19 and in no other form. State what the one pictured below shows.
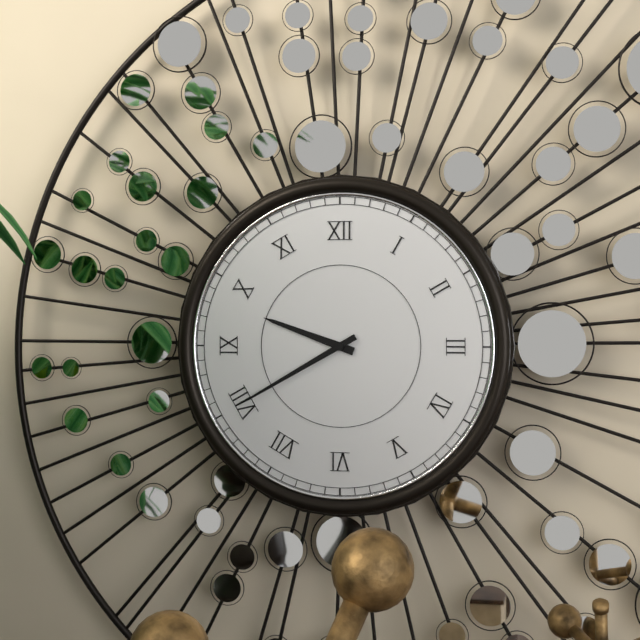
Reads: h=9 m=40
